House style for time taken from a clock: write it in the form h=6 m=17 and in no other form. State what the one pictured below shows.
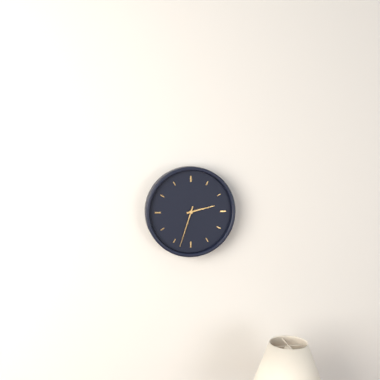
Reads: h=2 m=33
